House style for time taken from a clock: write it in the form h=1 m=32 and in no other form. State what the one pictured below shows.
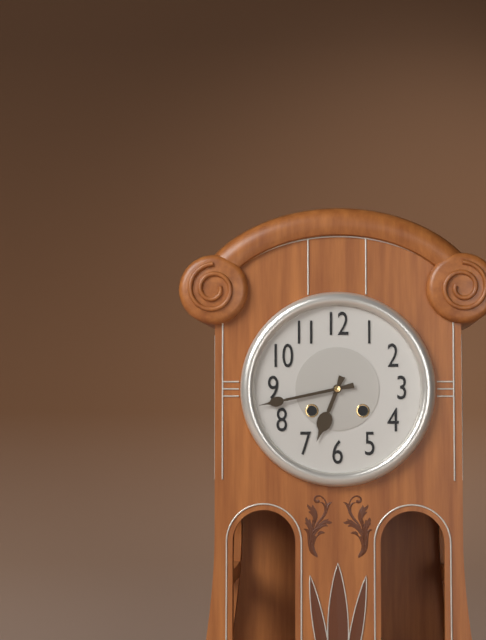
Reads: h=6 m=43
